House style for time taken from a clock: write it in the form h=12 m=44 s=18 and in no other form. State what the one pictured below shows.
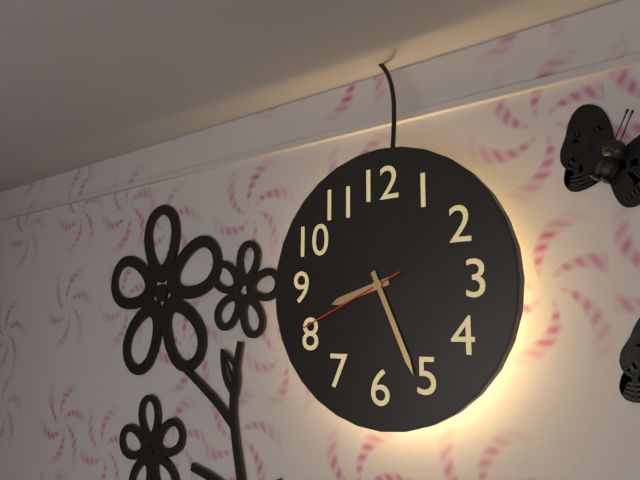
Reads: h=8 m=26 s=41
